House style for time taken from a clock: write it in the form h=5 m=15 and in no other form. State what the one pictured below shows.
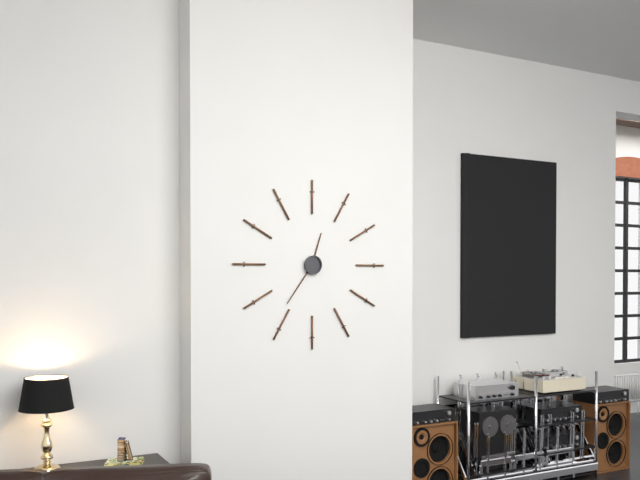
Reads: h=12 m=36
